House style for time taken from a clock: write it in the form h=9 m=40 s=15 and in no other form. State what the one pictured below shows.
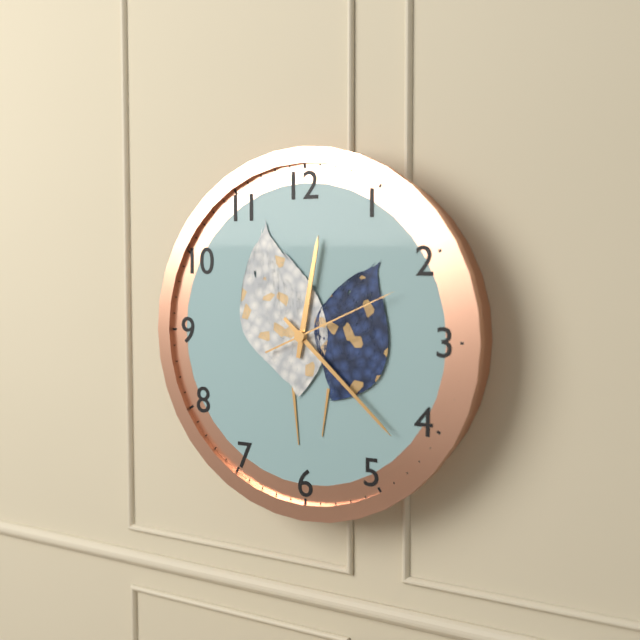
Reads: h=12 m=22 s=11
